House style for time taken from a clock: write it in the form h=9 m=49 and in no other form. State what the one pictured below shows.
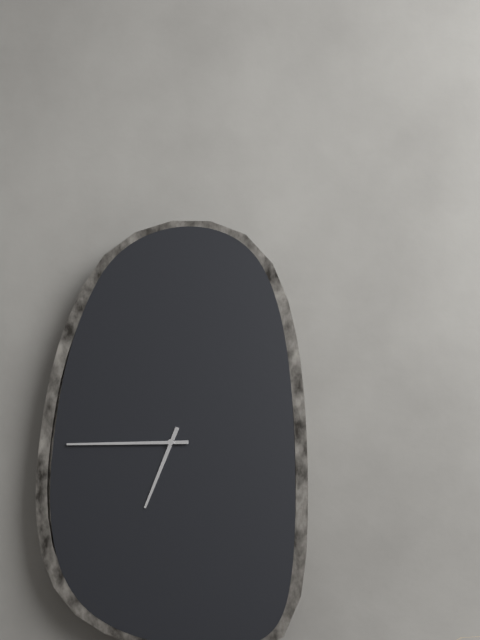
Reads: h=6 m=45
